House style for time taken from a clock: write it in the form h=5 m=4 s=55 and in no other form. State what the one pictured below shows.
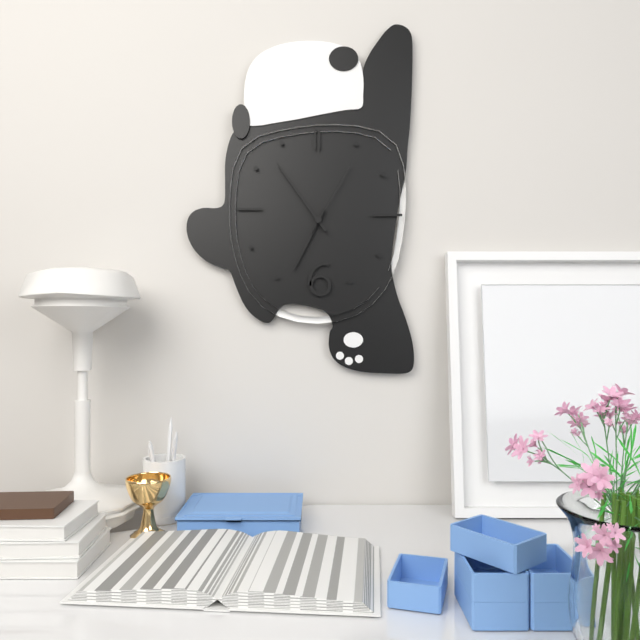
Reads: h=6 m=54 s=5
